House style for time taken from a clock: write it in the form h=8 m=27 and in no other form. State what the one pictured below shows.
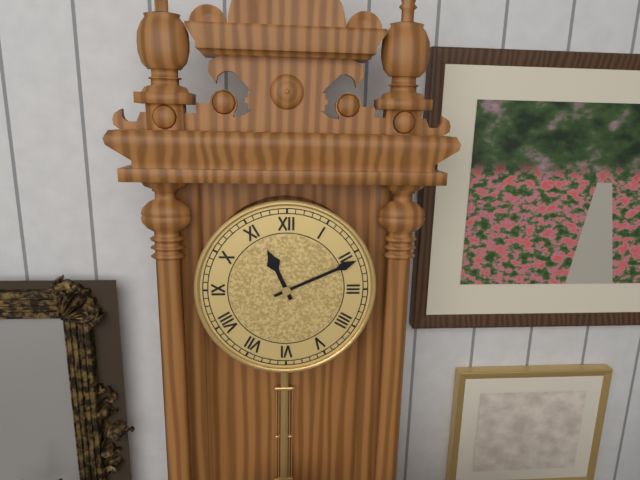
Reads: h=11 m=11
